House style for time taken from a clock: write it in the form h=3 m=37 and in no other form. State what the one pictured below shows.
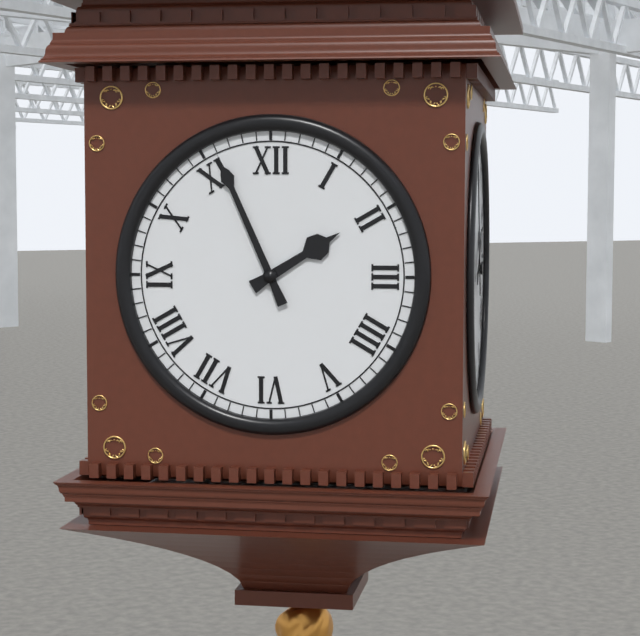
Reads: h=1 m=56
